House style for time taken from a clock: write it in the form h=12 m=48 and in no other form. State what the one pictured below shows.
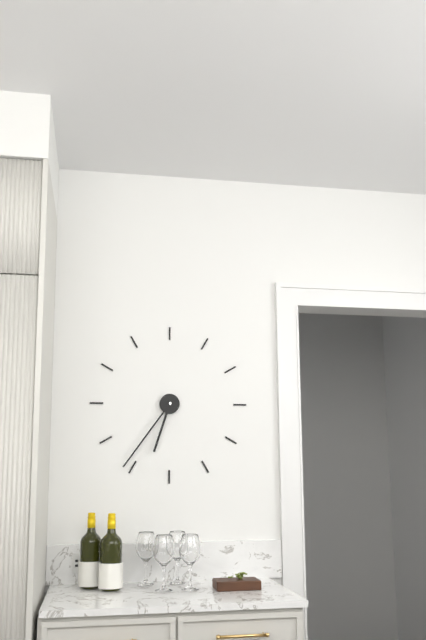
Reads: h=6 m=36
